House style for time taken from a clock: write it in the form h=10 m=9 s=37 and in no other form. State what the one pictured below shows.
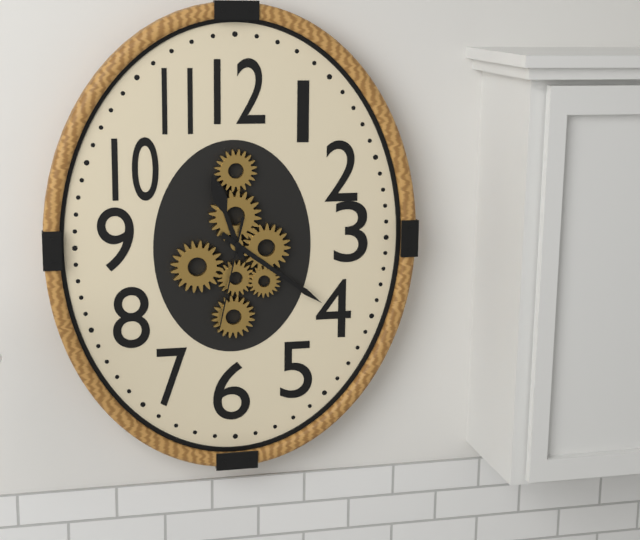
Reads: h=11 m=21 s=32
